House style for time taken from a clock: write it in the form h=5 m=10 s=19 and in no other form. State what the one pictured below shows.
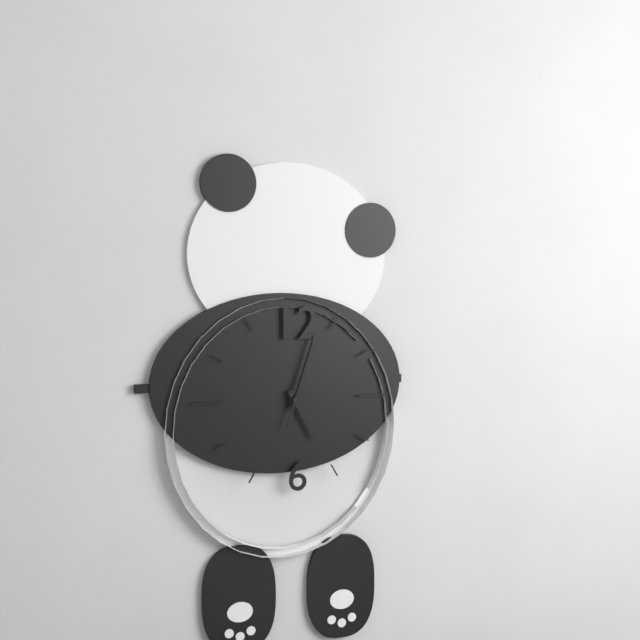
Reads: h=5 m=3 s=3
